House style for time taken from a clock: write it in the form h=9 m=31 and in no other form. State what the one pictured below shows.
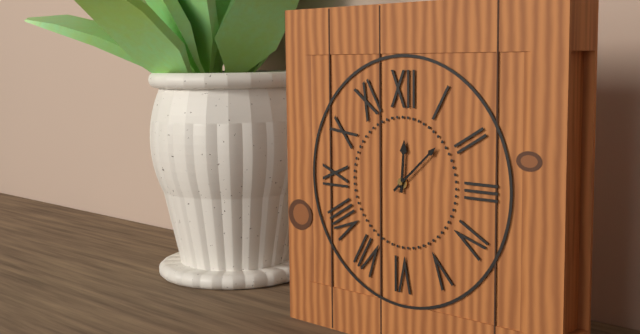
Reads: h=12 m=8
